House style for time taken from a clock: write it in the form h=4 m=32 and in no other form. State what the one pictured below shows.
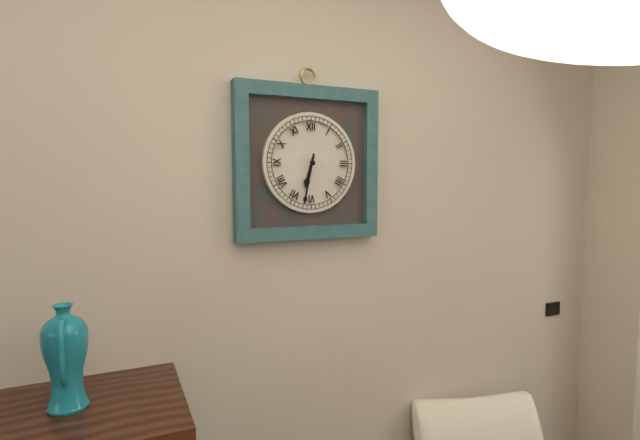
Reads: h=6 m=32
